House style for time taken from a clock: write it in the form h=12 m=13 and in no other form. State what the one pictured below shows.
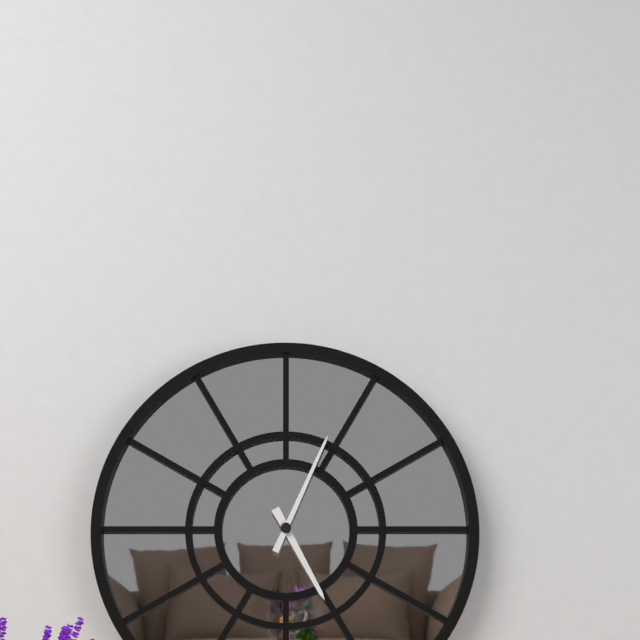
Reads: h=5 m=4
